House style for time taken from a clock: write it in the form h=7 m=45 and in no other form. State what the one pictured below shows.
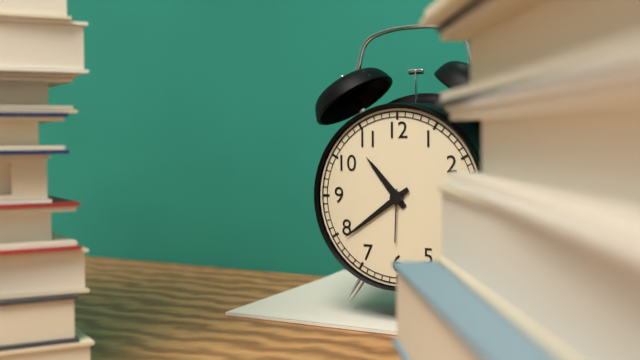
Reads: h=10 m=39
